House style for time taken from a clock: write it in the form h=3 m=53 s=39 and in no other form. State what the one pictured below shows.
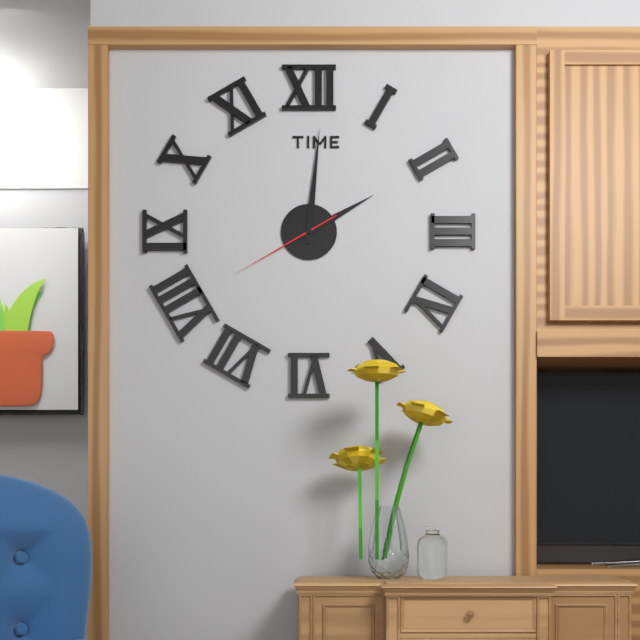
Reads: h=2 m=1 s=40
